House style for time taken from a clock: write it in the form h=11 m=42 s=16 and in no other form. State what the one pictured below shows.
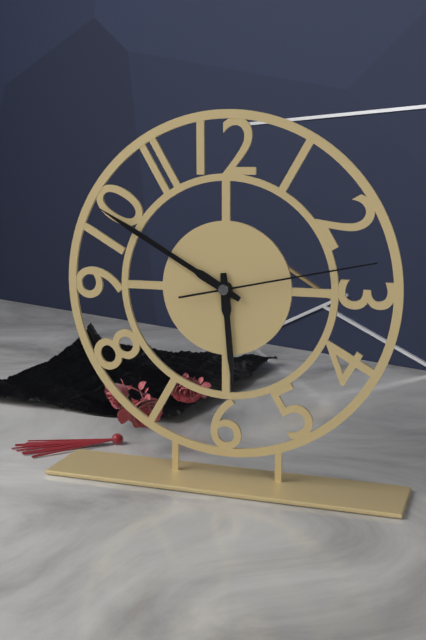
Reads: h=5 m=50 s=13
